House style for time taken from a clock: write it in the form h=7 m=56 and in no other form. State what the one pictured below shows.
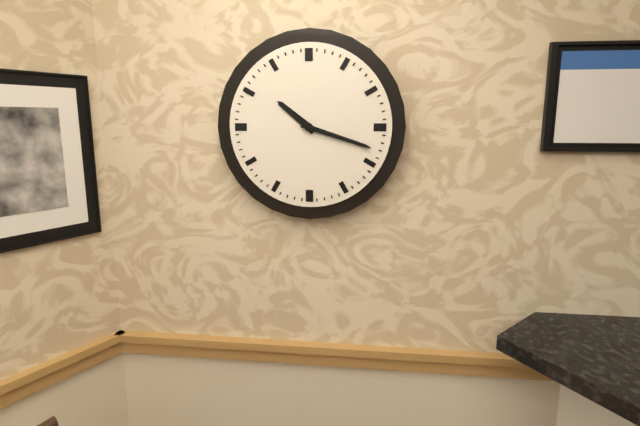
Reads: h=10 m=18
